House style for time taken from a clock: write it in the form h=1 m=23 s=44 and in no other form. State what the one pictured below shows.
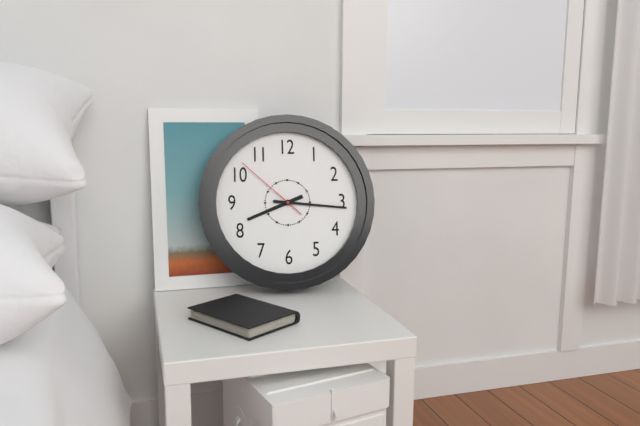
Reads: h=8 m=16 s=52
